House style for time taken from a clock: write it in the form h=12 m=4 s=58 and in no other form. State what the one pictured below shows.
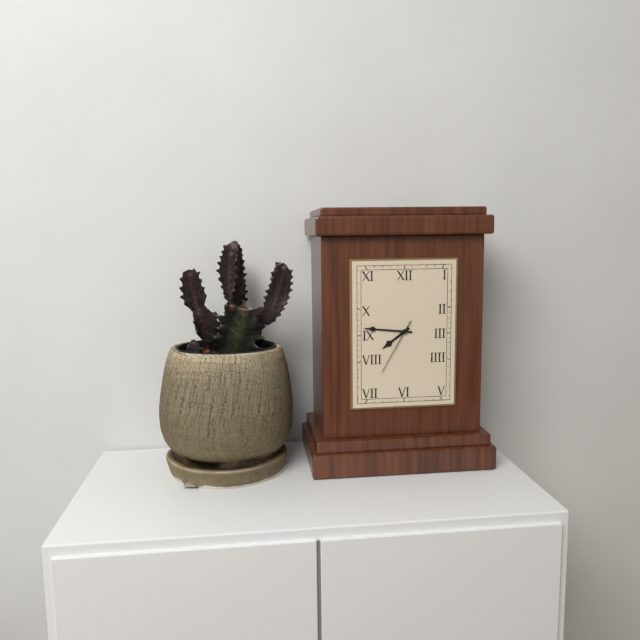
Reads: h=7 m=46 s=35
